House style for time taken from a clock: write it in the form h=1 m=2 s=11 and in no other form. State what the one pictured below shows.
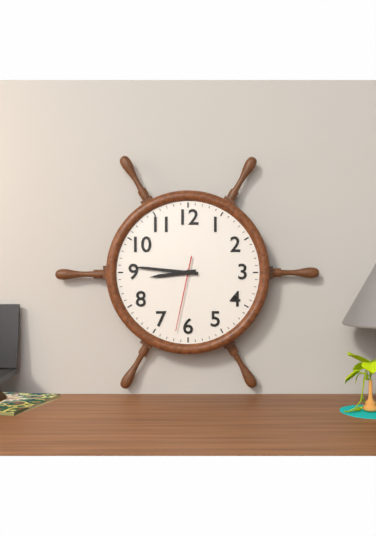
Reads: h=8 m=46 s=32
